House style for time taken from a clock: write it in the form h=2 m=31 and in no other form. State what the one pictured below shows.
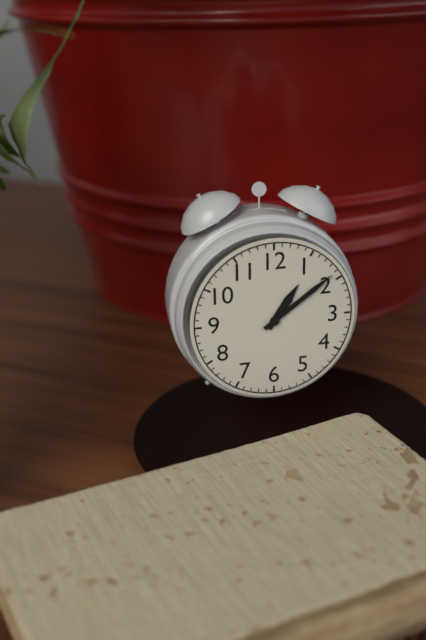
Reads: h=1 m=9
